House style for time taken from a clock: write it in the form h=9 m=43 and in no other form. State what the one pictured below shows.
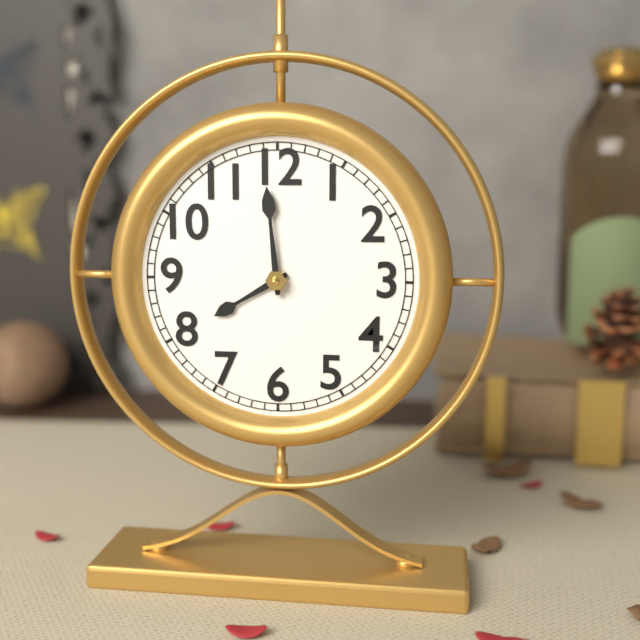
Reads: h=7 m=59
